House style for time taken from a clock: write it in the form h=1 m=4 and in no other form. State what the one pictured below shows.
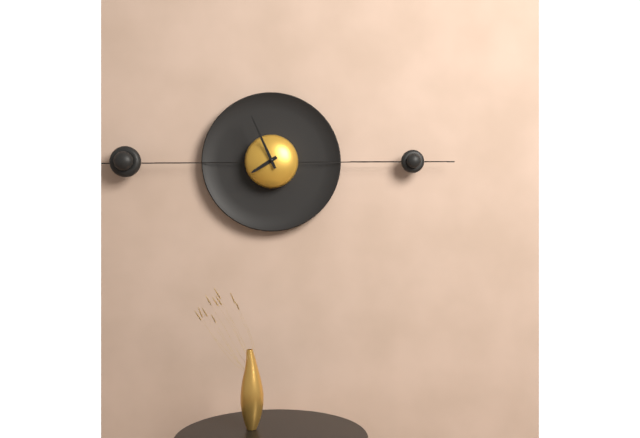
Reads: h=7 m=56
